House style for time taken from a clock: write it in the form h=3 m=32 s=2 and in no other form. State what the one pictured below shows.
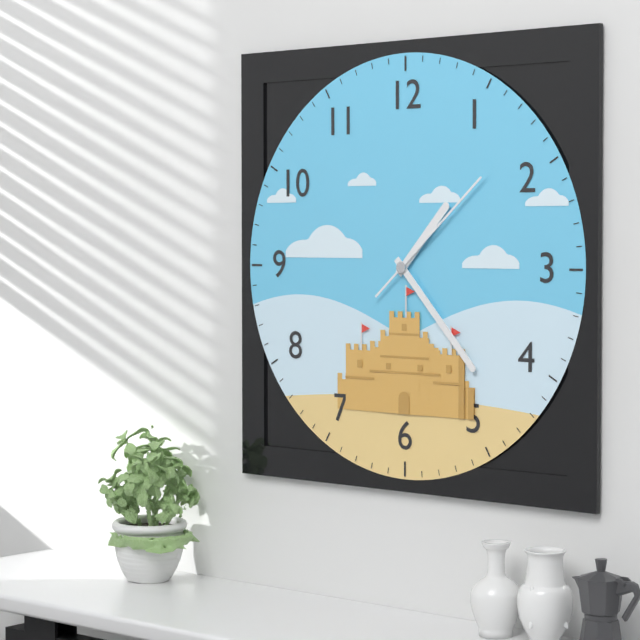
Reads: h=1 m=23 s=8
